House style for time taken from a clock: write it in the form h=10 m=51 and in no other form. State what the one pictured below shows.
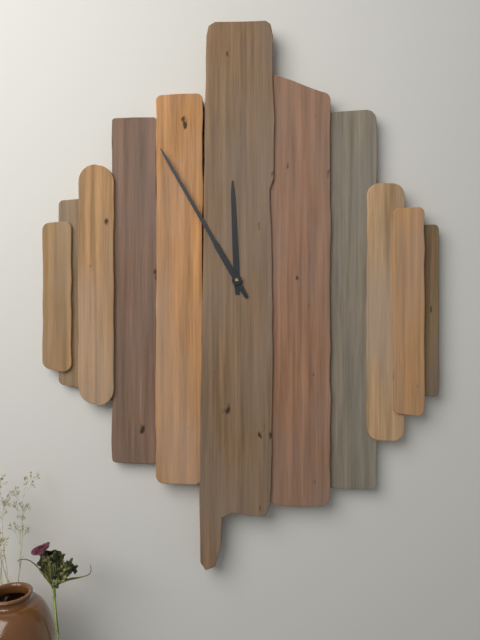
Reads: h=11 m=55
